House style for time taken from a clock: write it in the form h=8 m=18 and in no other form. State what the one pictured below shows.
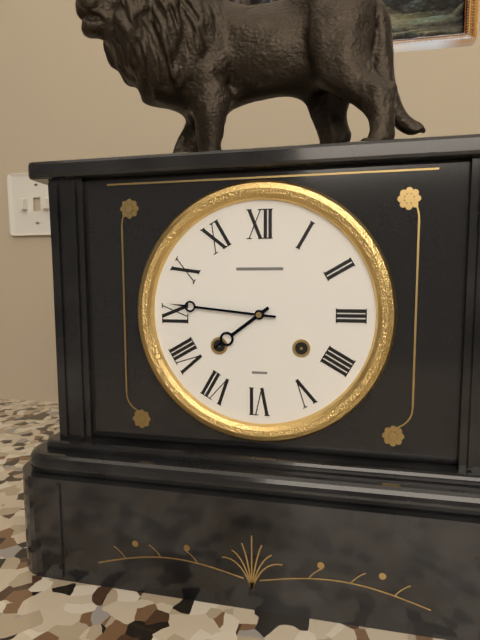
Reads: h=7 m=46
